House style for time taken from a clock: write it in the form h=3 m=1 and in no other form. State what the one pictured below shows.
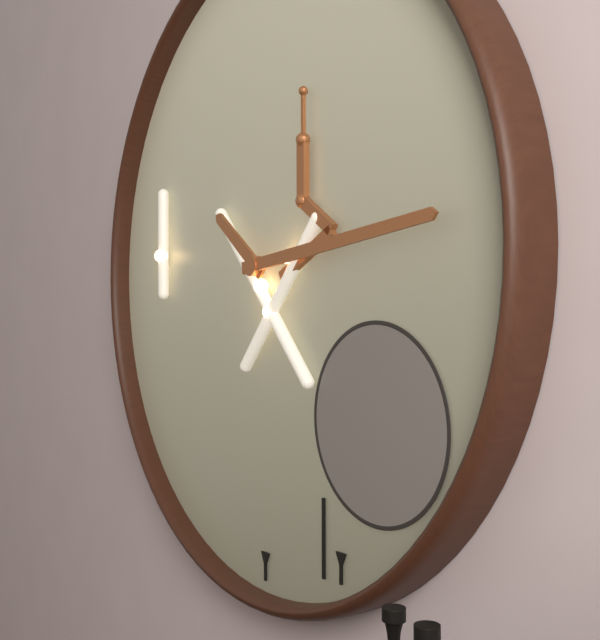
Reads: h=10 m=14
